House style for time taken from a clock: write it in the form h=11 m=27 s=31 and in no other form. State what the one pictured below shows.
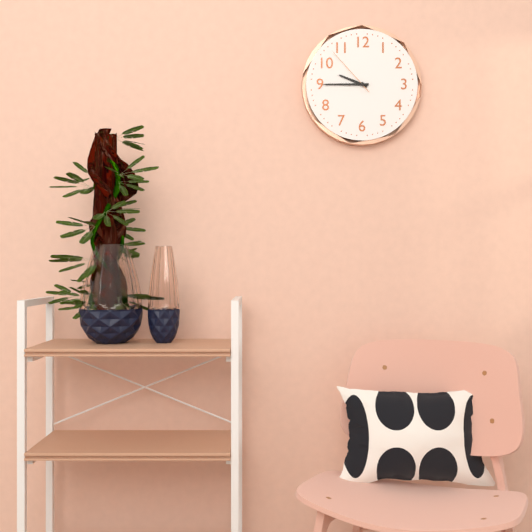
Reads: h=9 m=45 s=53
